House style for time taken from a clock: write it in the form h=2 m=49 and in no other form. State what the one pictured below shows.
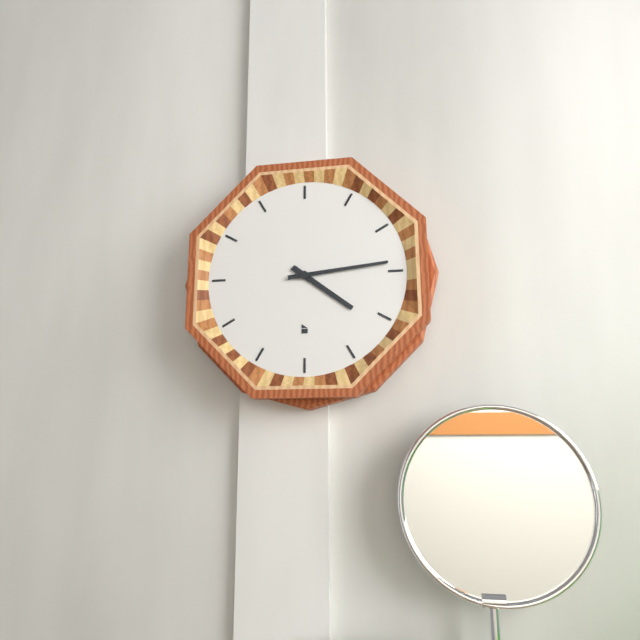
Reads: h=4 m=14
